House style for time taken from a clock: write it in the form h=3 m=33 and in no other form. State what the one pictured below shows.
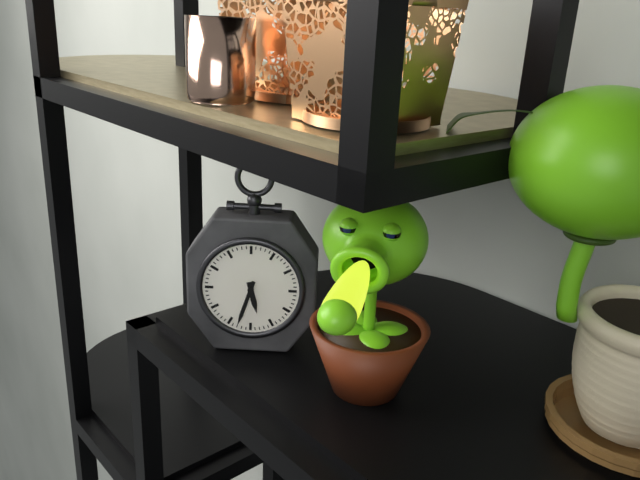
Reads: h=5 m=33
